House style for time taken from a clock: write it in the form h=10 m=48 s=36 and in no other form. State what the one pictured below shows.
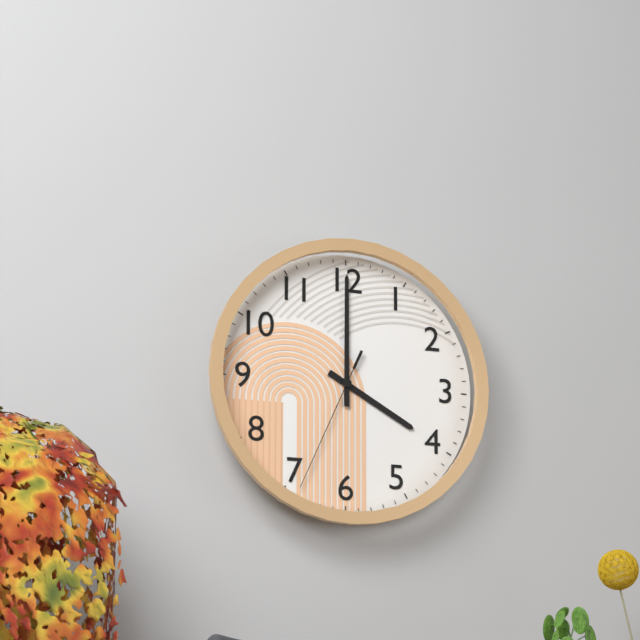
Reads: h=4 m=0 s=34
